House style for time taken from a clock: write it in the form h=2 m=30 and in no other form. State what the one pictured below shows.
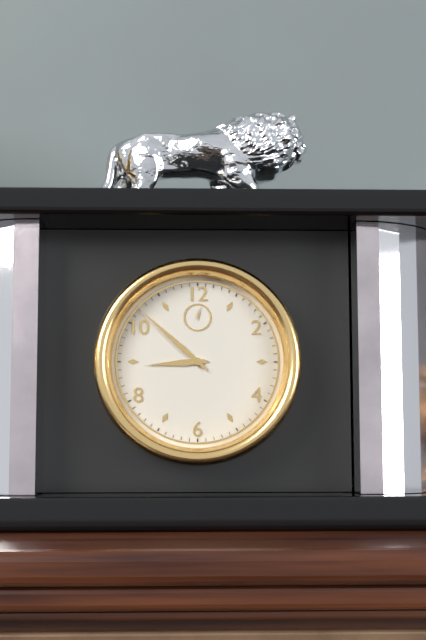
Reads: h=8 m=52
